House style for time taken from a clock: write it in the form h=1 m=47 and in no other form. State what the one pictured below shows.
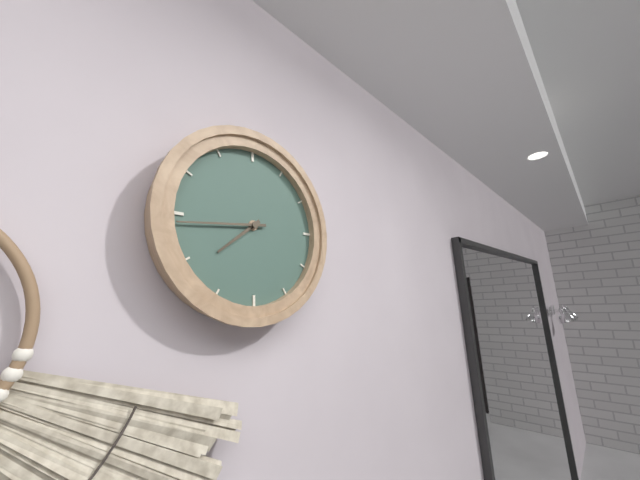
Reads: h=7 m=44
